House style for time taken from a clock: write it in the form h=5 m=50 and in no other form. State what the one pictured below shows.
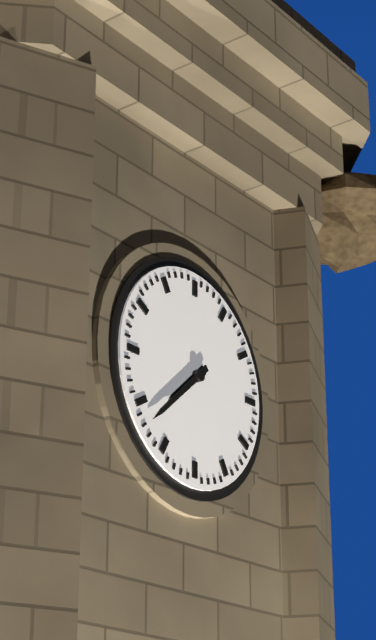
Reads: h=7 m=38
